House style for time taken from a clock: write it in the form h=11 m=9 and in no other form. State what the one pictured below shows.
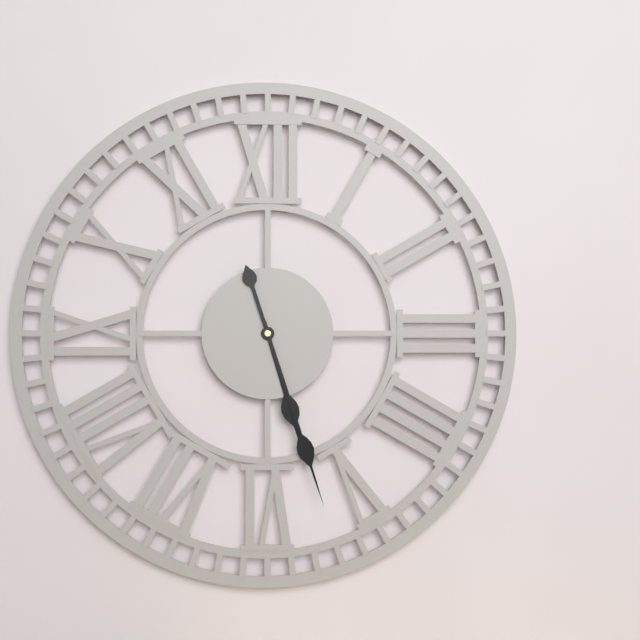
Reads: h=5 m=27
